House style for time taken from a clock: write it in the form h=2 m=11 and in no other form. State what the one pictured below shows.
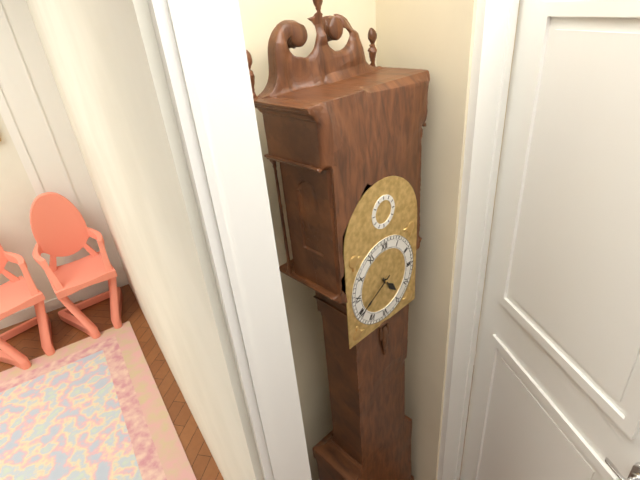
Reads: h=4 m=40
